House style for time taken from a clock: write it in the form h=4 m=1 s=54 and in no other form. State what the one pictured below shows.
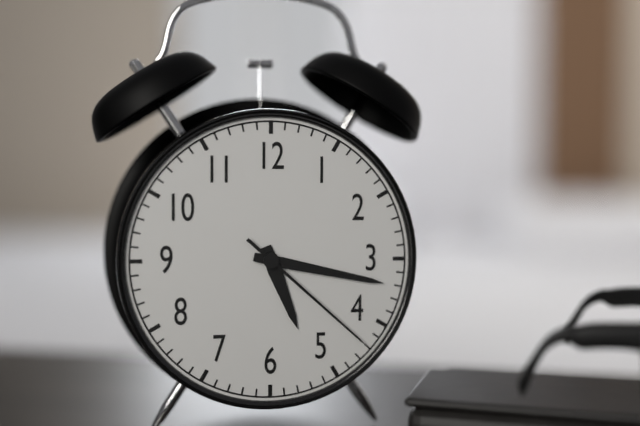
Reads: h=5 m=17 s=22
